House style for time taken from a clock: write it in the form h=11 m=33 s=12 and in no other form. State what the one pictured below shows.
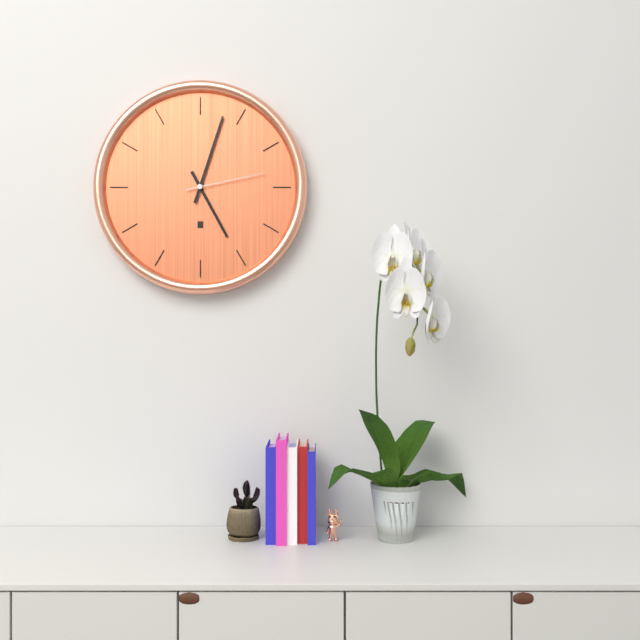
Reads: h=5 m=3 s=13
